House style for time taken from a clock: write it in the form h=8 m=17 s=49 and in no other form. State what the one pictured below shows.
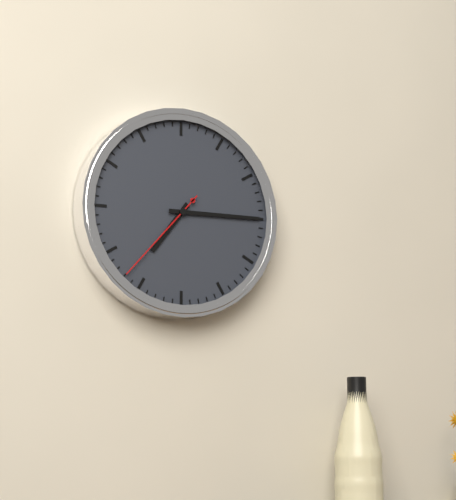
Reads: h=7 m=15 s=37
